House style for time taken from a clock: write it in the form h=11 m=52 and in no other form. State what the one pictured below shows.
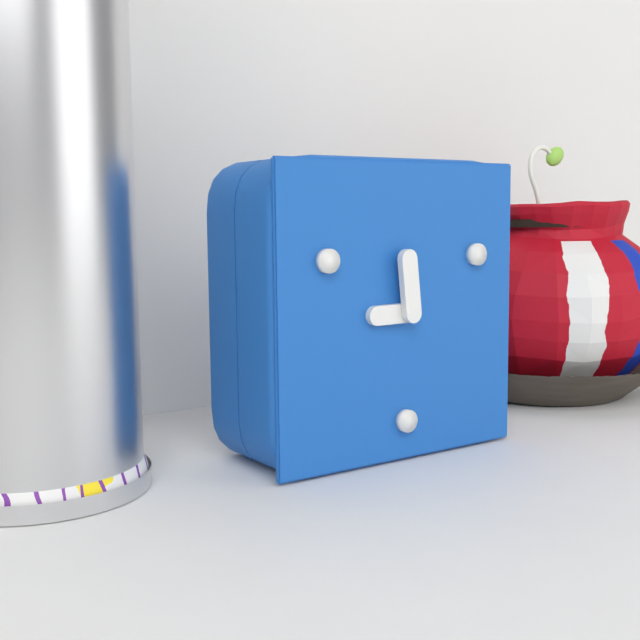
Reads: h=8 m=59
